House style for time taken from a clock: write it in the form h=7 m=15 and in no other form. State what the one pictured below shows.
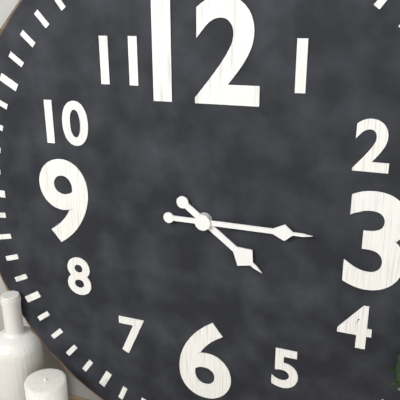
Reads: h=4 m=15
